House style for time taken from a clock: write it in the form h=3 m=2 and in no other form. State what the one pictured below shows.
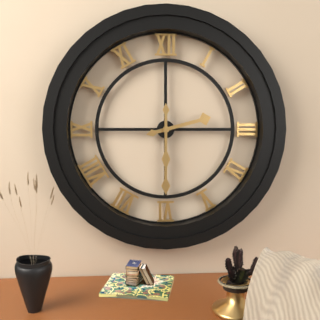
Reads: h=2 m=30
